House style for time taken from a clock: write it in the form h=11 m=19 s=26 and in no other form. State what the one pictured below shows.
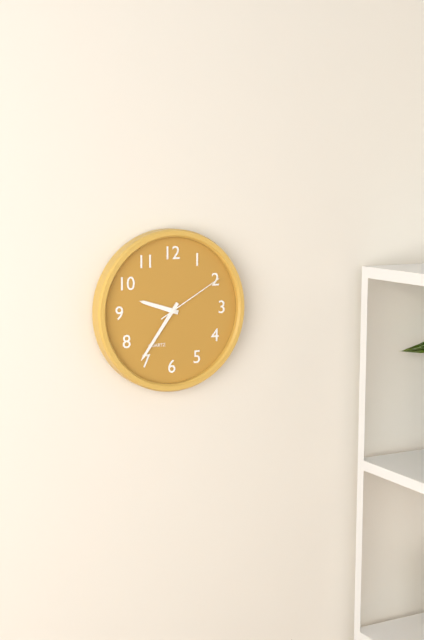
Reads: h=9 m=36 s=10
